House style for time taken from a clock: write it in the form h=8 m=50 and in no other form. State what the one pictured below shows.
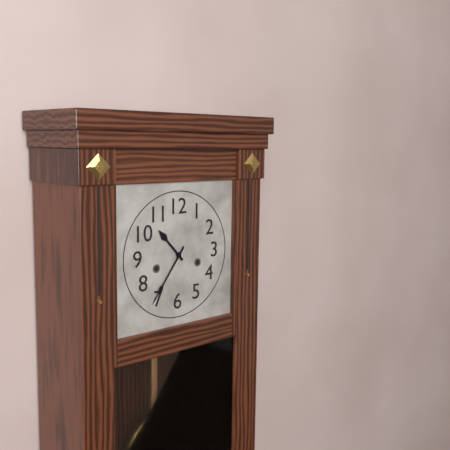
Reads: h=10 m=36
